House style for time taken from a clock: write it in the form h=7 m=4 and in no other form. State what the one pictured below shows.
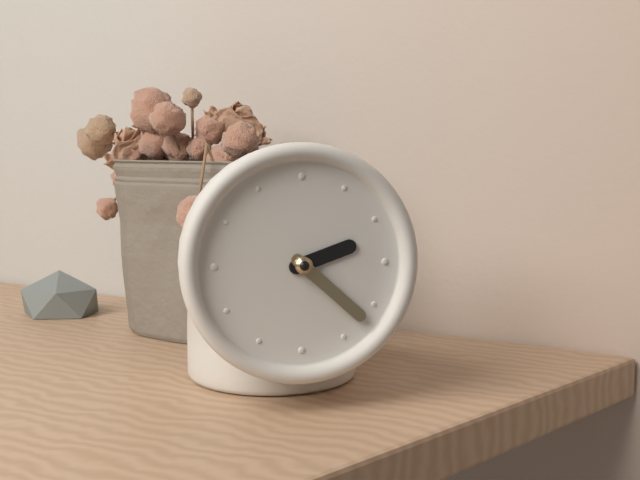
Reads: h=2 m=22
